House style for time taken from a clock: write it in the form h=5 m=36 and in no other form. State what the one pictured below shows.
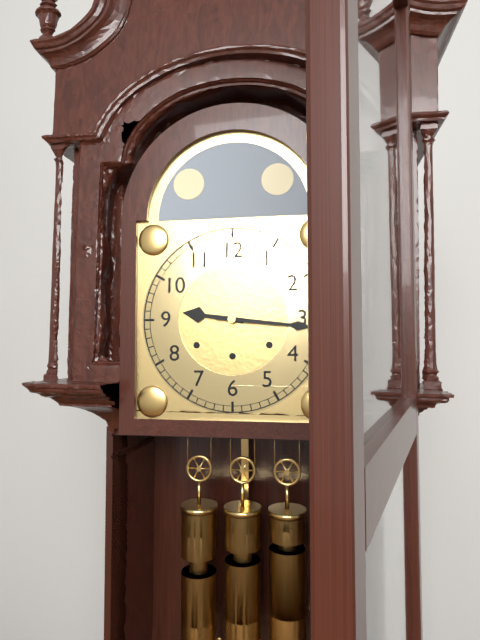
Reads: h=9 m=16
